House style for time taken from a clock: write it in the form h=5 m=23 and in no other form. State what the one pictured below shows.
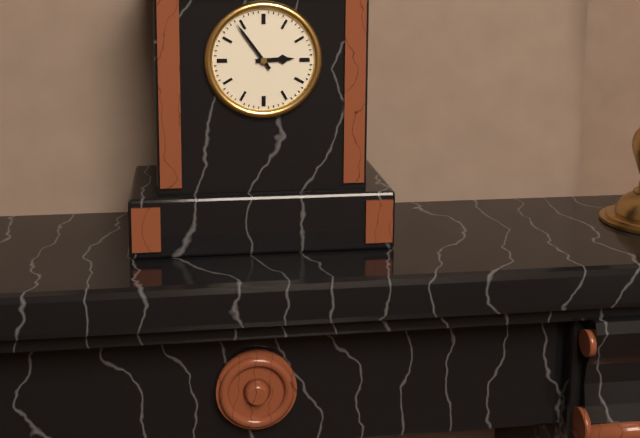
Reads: h=2 m=54
